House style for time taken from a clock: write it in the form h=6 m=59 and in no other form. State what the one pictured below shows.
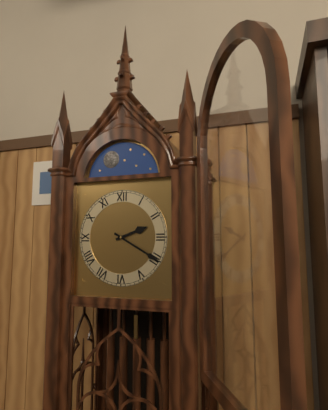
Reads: h=2 m=20
